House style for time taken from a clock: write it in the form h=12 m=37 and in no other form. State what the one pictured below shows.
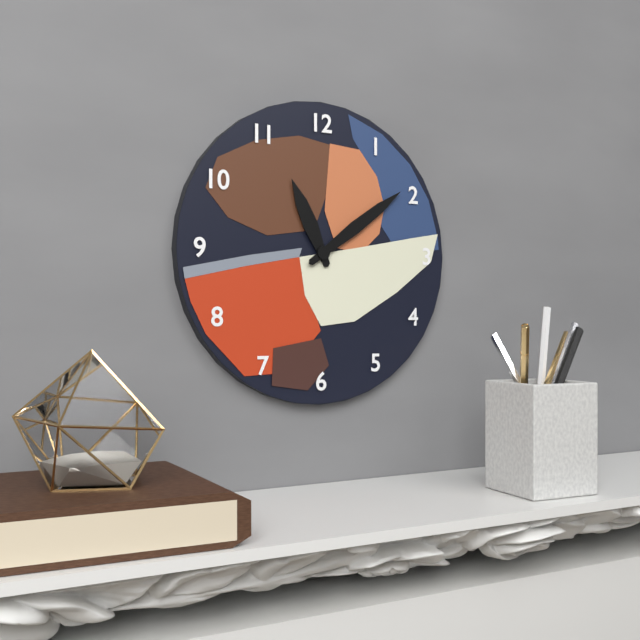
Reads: h=11 m=9
